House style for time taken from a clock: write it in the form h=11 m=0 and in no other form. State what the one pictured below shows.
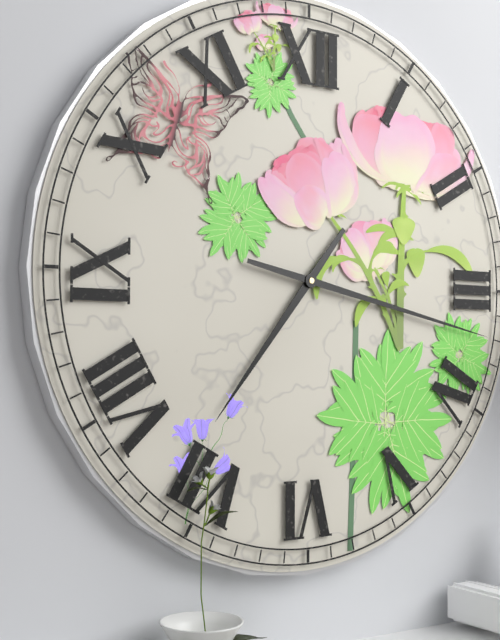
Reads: h=7 m=17
